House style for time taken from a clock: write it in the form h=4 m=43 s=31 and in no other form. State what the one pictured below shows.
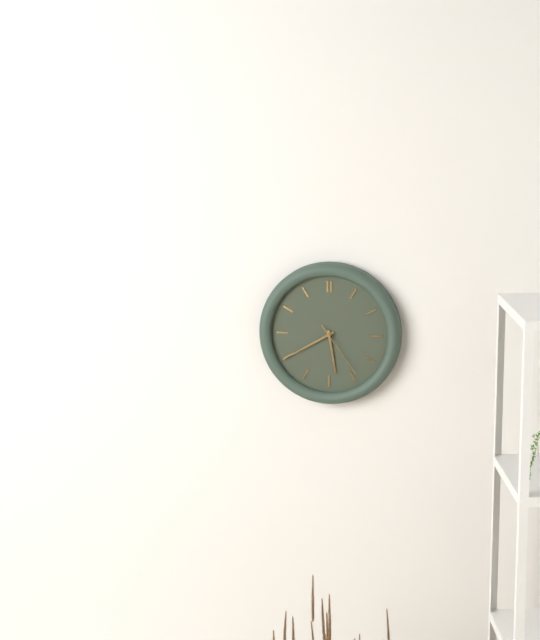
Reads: h=5 m=40 s=24
